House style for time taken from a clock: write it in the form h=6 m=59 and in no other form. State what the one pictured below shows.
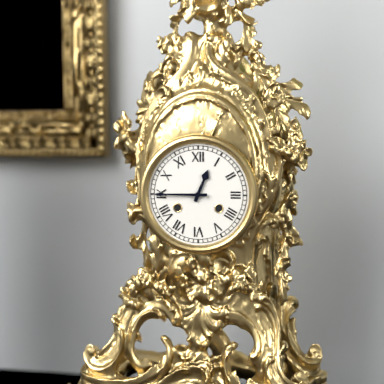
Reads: h=12 m=45
